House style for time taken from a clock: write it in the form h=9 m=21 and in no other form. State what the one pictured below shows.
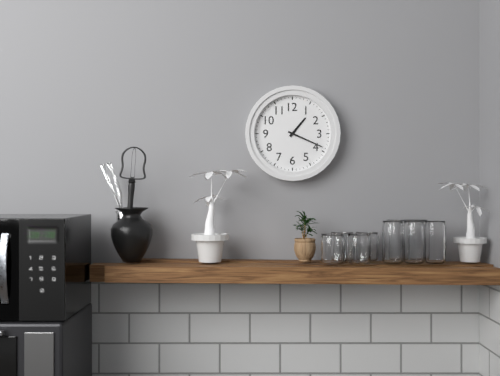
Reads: h=1 m=19
